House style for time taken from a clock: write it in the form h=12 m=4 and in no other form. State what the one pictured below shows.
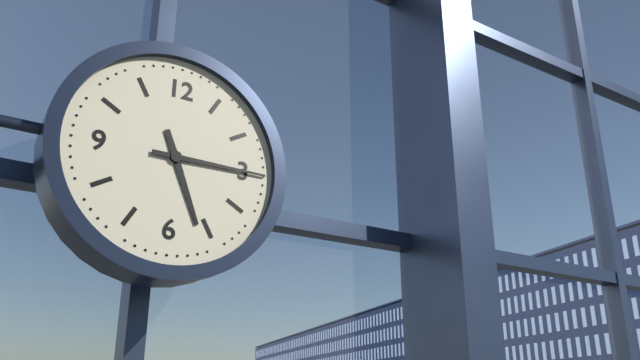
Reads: h=5 m=15
